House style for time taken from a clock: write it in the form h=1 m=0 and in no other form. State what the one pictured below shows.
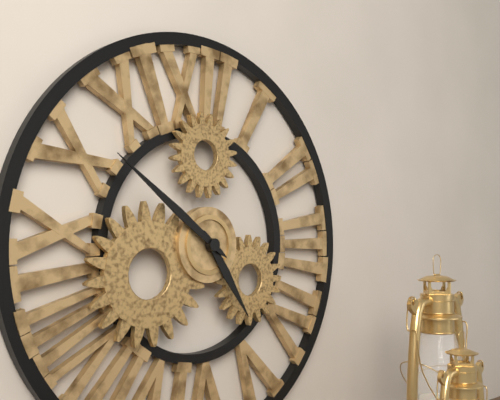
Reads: h=4 m=51
